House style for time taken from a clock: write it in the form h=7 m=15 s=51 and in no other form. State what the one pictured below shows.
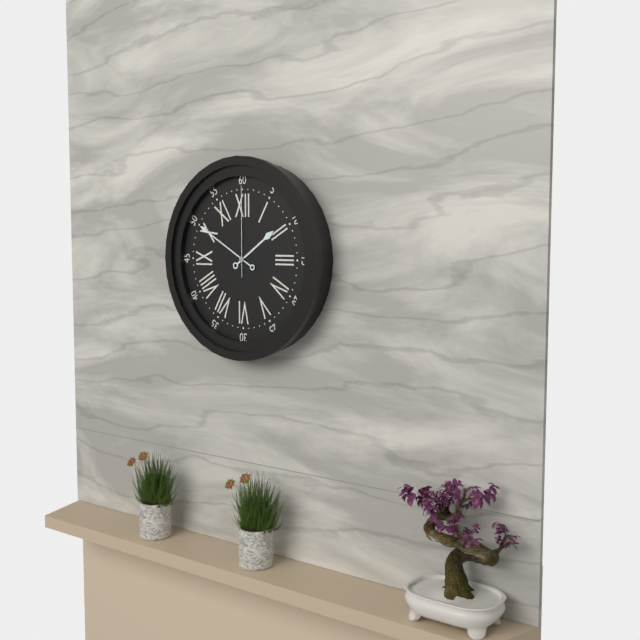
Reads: h=1 m=50 s=0
